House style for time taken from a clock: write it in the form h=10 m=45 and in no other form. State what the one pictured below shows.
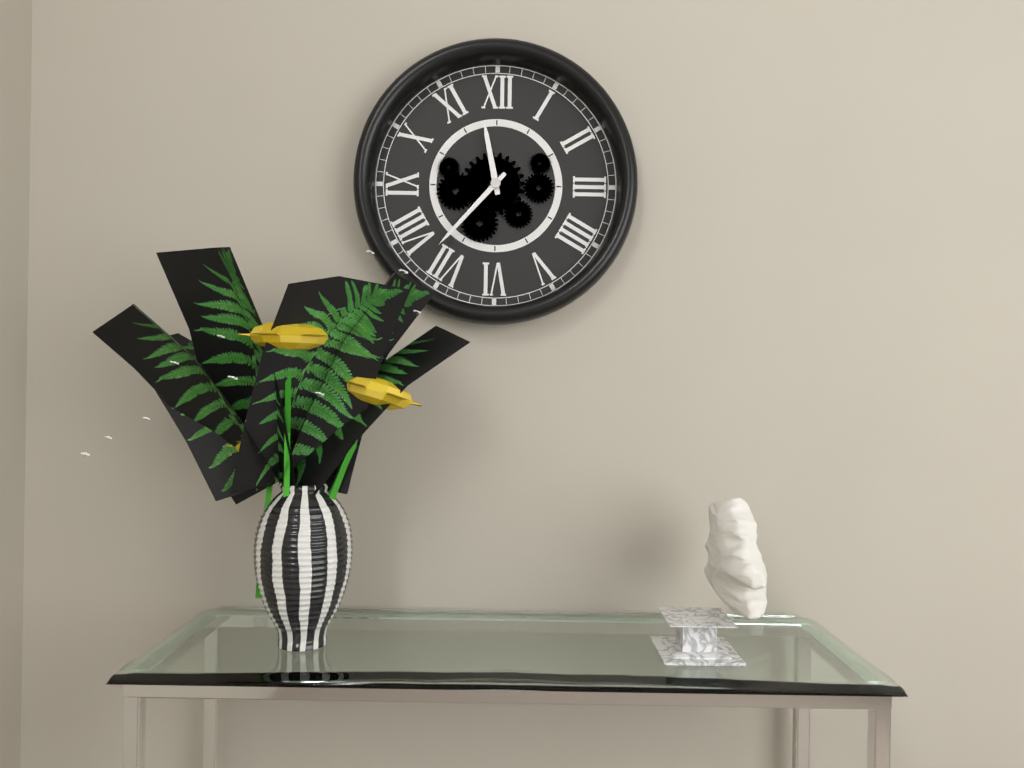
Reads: h=11 m=37
